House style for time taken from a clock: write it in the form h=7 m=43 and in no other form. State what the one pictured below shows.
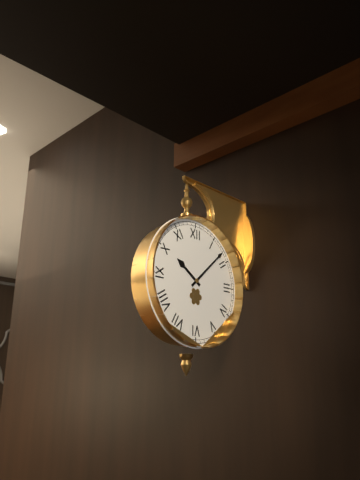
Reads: h=10 m=8
